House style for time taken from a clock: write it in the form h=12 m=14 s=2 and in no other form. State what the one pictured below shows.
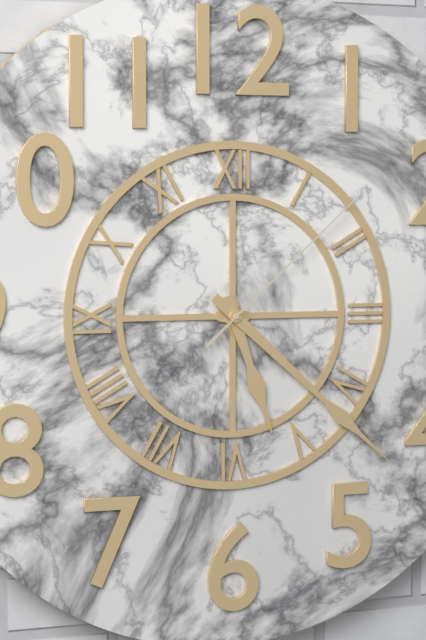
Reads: h=5 m=22 s=8
